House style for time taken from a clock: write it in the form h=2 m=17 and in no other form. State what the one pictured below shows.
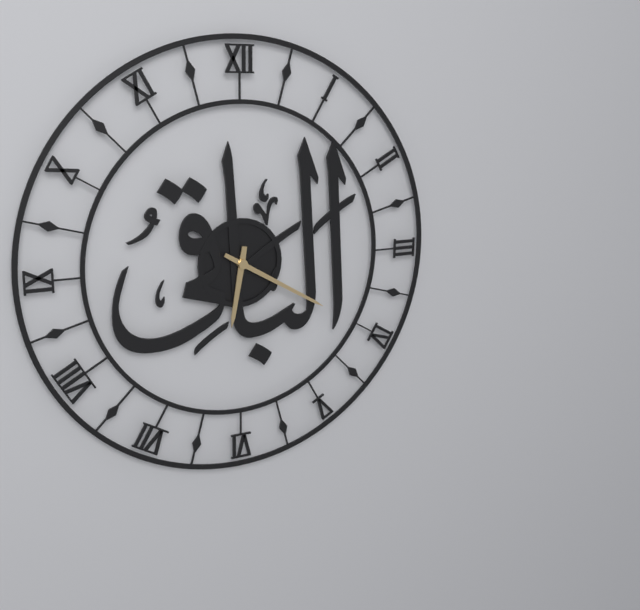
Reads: h=6 m=20
